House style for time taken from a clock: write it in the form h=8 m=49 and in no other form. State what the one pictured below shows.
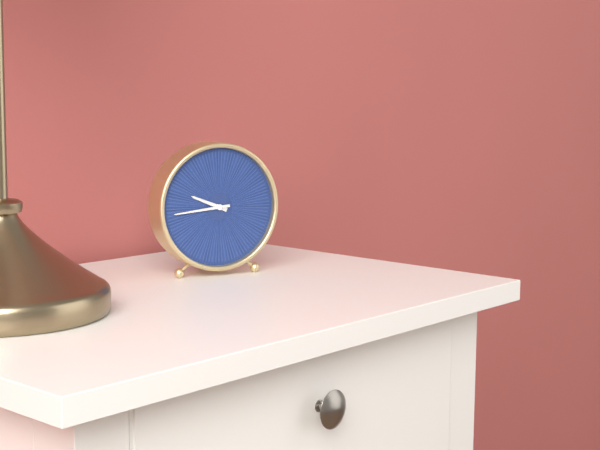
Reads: h=9 m=44
